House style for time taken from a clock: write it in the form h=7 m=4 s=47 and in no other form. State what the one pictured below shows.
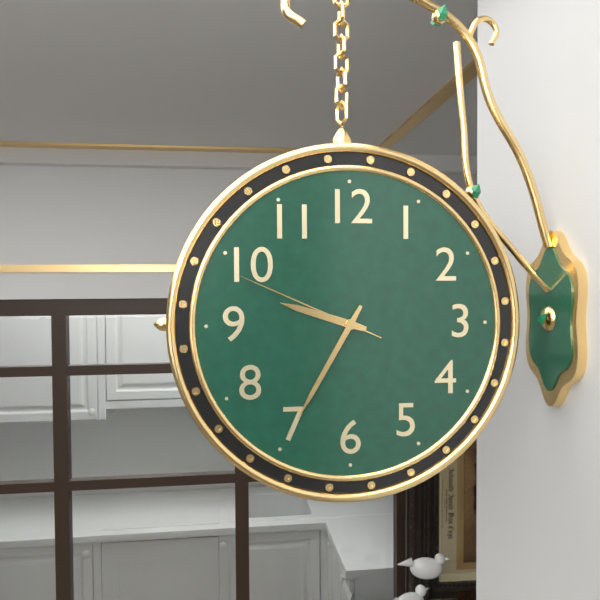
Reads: h=9 m=35 s=49
